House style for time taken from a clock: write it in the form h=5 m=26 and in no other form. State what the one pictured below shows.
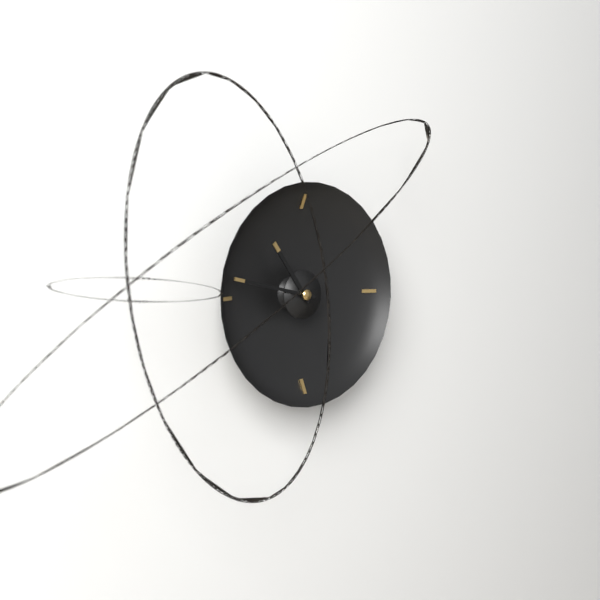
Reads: h=10 m=47
